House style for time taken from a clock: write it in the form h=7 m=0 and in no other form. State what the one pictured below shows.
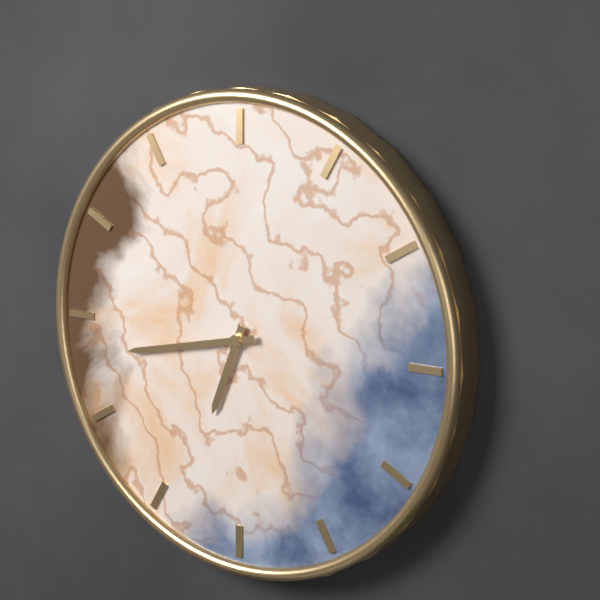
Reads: h=6 m=43
